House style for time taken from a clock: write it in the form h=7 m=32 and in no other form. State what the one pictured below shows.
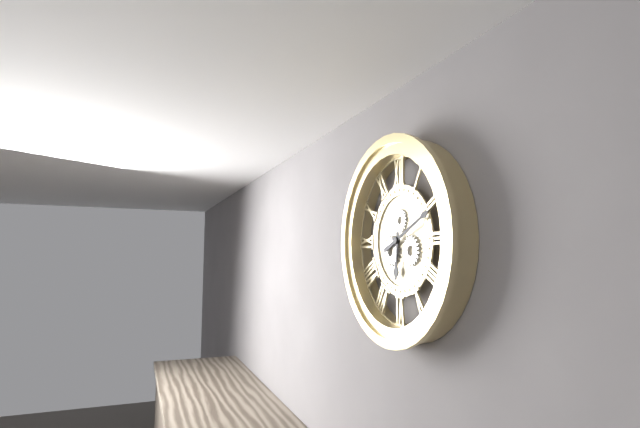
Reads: h=6 m=11
